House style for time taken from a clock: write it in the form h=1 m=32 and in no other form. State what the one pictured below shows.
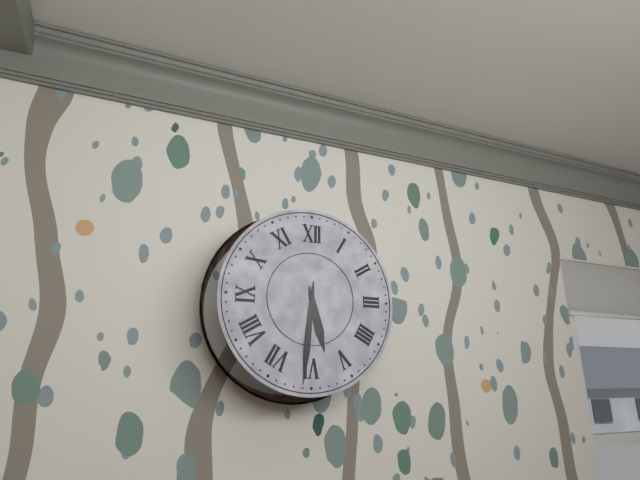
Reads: h=5 m=31
